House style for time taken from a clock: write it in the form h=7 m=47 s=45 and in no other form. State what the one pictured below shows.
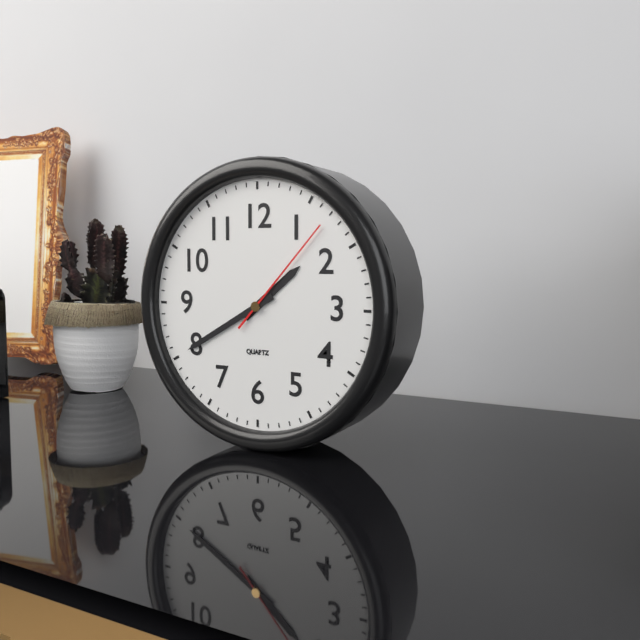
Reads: h=1 m=40 s=7
